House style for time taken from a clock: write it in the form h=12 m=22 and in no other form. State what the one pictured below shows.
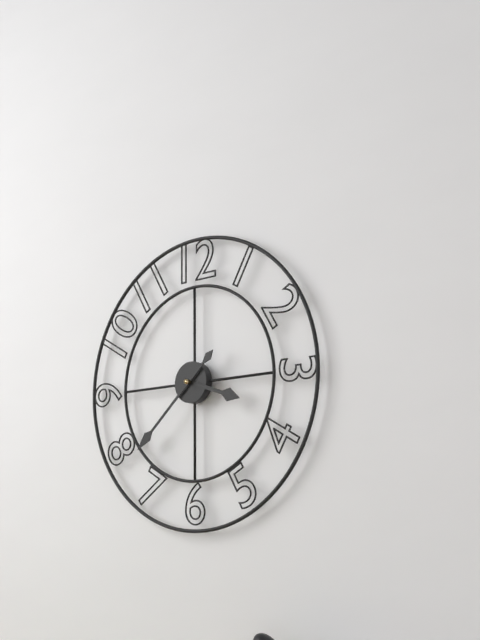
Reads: h=3 m=38
